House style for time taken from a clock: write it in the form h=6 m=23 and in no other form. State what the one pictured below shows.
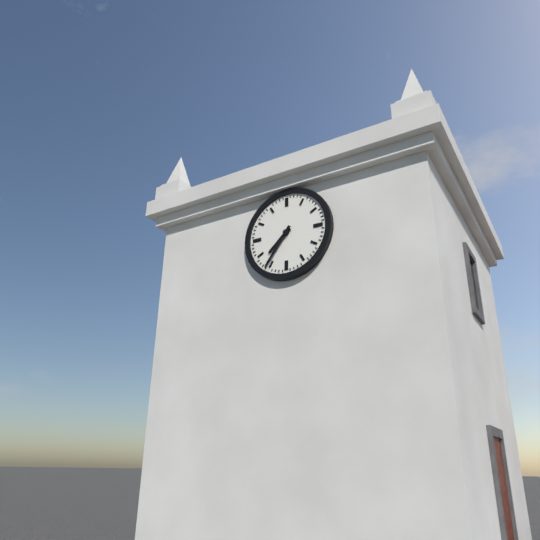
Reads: h=7 m=36
